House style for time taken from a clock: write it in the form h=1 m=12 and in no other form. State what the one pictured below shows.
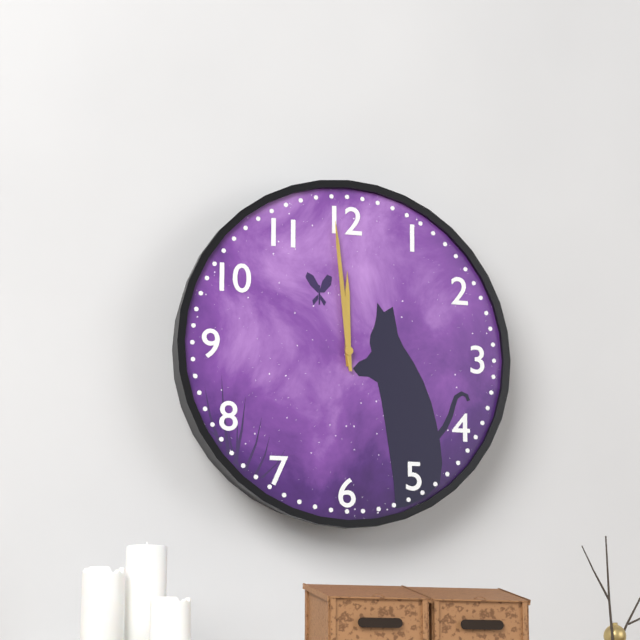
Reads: h=11 m=59
